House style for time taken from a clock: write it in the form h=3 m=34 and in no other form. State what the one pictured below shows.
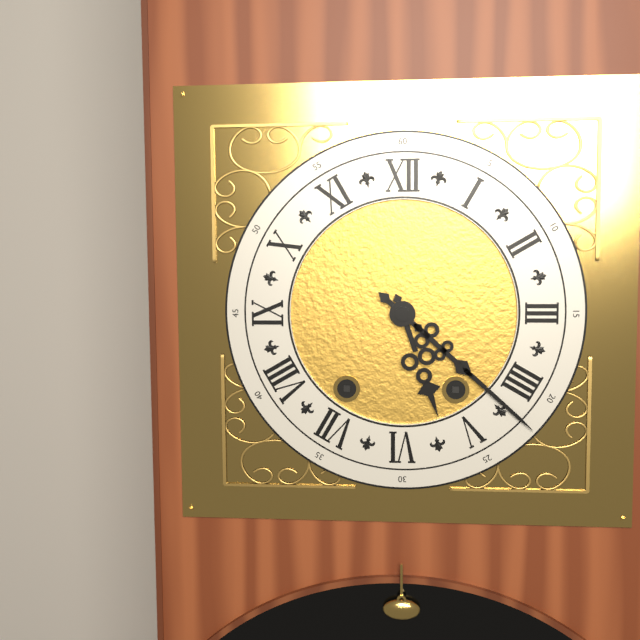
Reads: h=5 m=22
